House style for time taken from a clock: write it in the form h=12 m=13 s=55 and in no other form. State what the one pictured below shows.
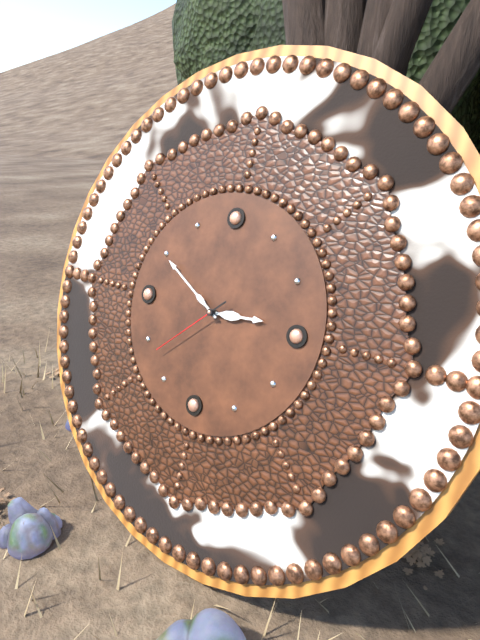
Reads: h=2 m=50 s=38
